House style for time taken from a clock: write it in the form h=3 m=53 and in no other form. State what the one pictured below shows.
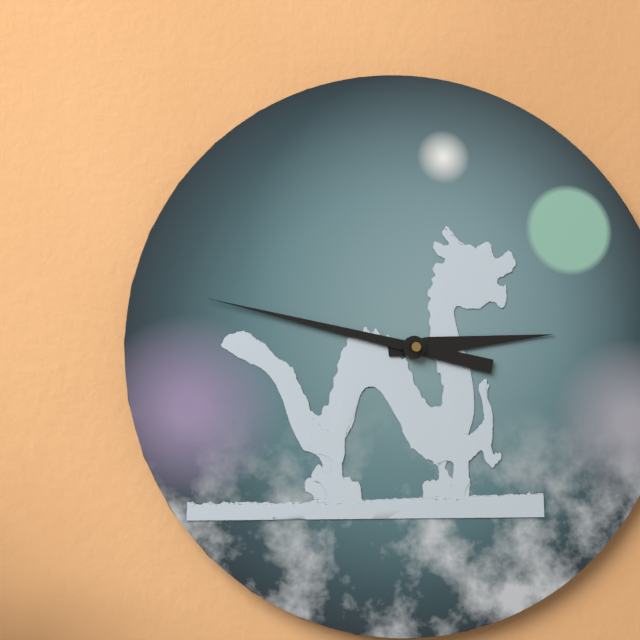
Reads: h=2 m=47
